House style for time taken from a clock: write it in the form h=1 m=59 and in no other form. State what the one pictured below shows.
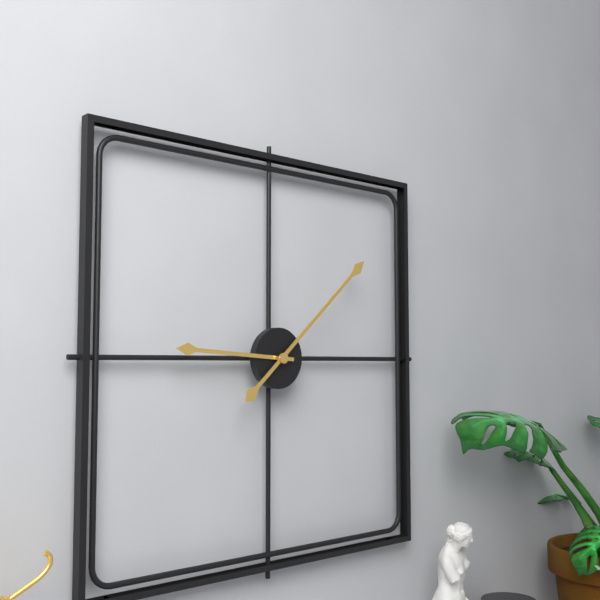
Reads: h=9 m=8
